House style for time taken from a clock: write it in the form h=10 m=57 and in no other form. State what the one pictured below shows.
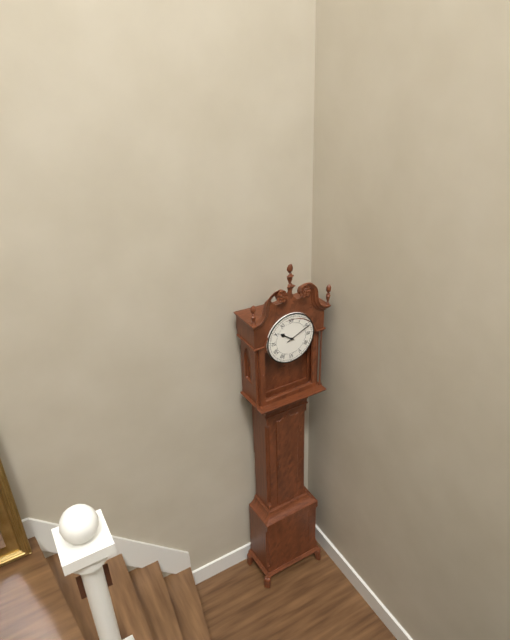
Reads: h=10 m=11
